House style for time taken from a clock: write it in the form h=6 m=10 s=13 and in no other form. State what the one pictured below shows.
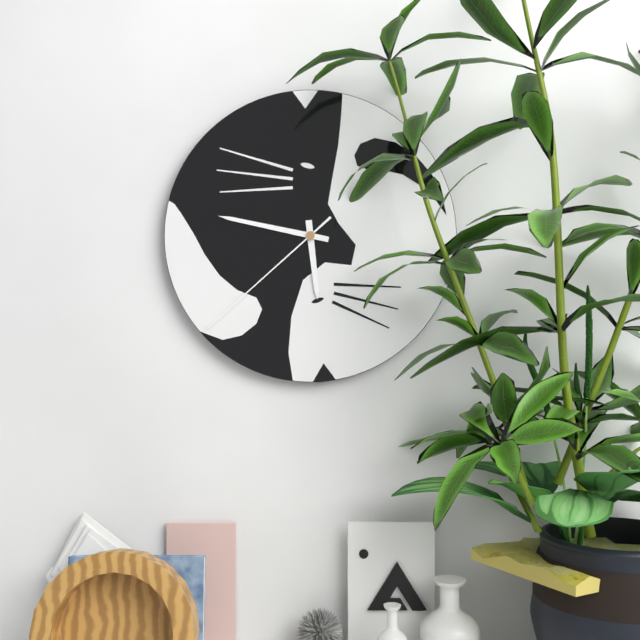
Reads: h=5 m=47 s=38
